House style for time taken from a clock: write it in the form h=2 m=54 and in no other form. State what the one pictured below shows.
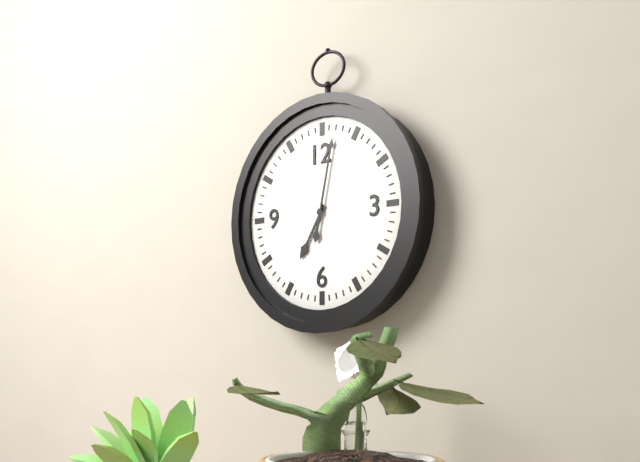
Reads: h=7 m=2
